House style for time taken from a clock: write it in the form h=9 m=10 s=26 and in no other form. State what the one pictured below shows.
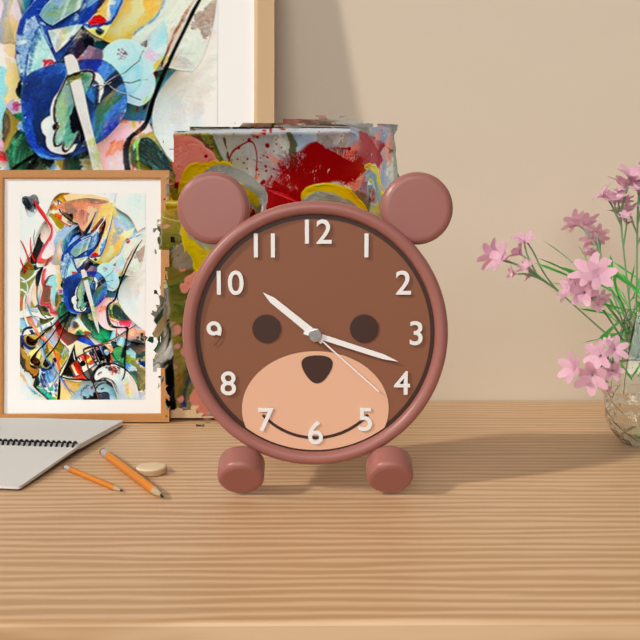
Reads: h=10 m=18 s=22
